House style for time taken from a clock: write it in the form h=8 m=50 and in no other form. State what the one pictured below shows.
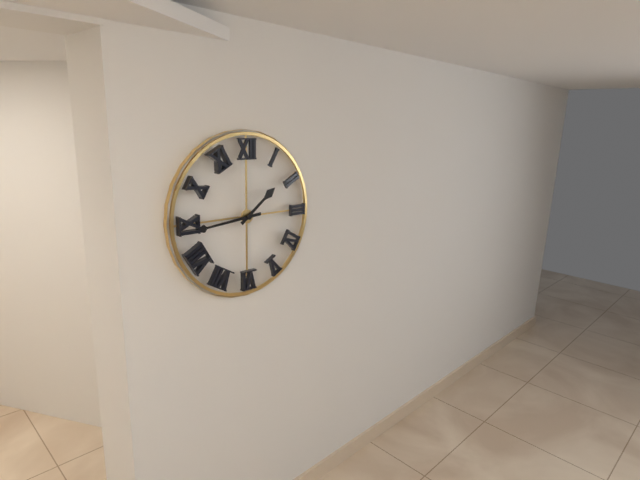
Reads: h=1 m=44
